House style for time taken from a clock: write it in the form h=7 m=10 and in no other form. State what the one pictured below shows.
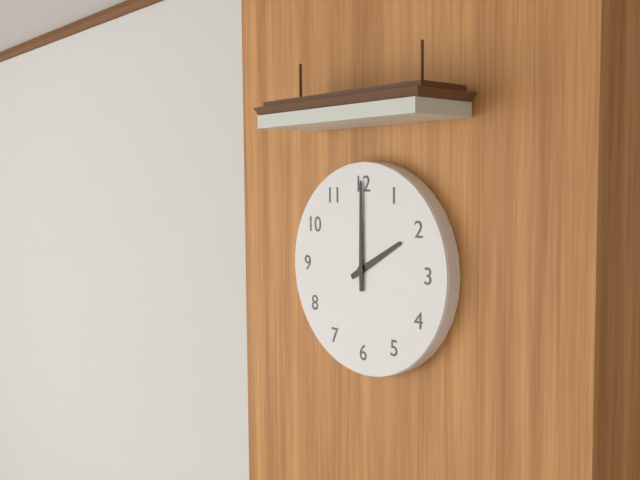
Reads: h=2 m=0
